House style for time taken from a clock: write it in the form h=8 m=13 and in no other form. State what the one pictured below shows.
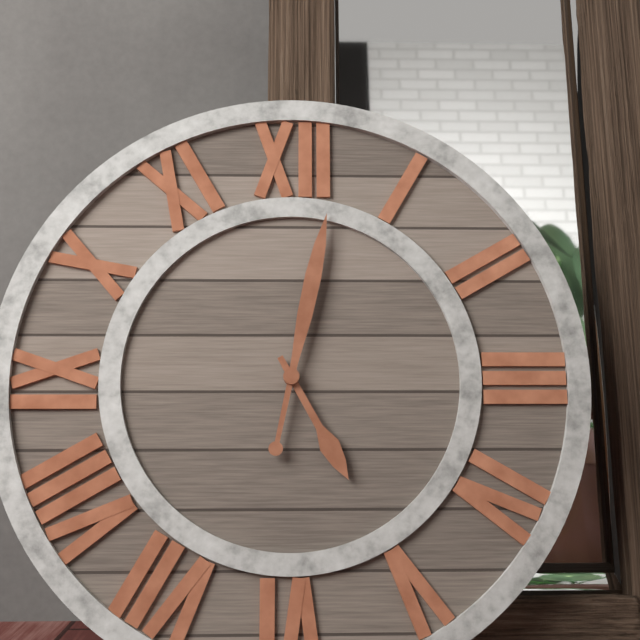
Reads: h=5 m=2
